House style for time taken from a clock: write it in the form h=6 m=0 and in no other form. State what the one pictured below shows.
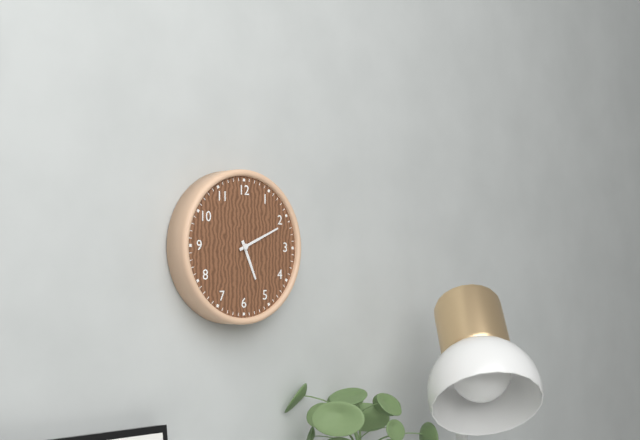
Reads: h=5 m=11
